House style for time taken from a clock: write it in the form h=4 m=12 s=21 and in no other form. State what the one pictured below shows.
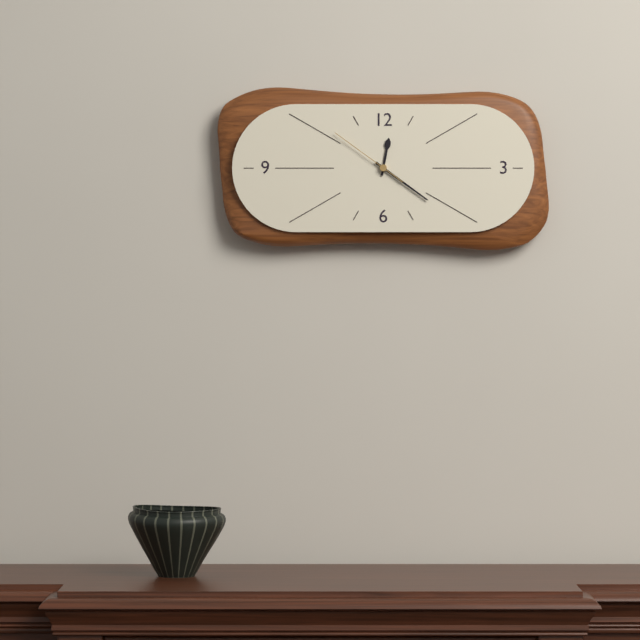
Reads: h=12 m=21 s=51
